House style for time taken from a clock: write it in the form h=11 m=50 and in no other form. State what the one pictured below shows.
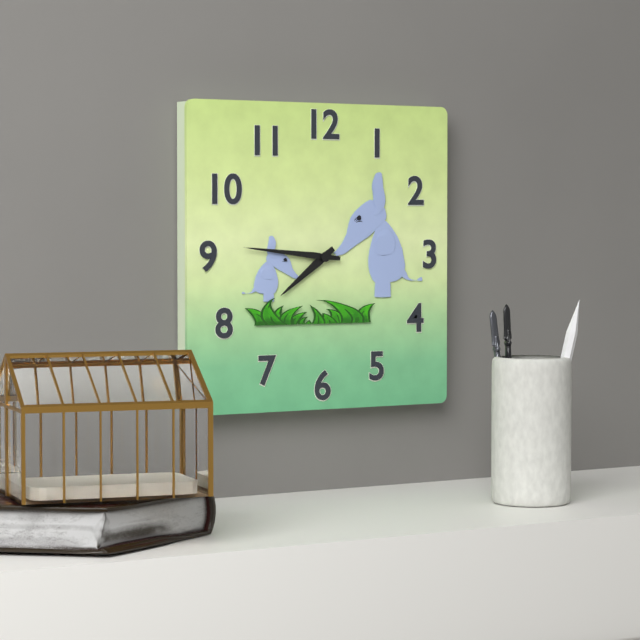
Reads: h=7 m=46
